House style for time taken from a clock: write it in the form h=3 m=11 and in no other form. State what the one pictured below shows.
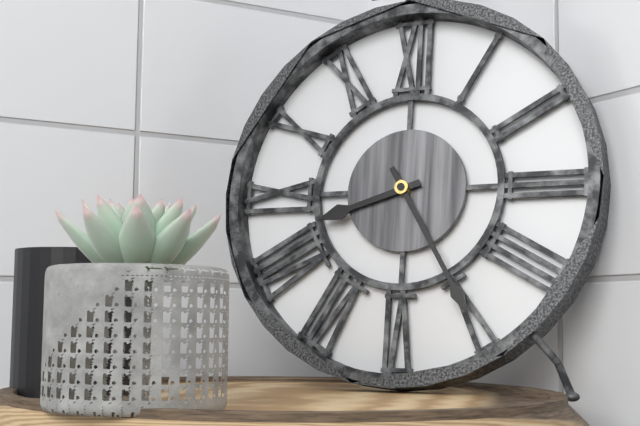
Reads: h=8 m=25
